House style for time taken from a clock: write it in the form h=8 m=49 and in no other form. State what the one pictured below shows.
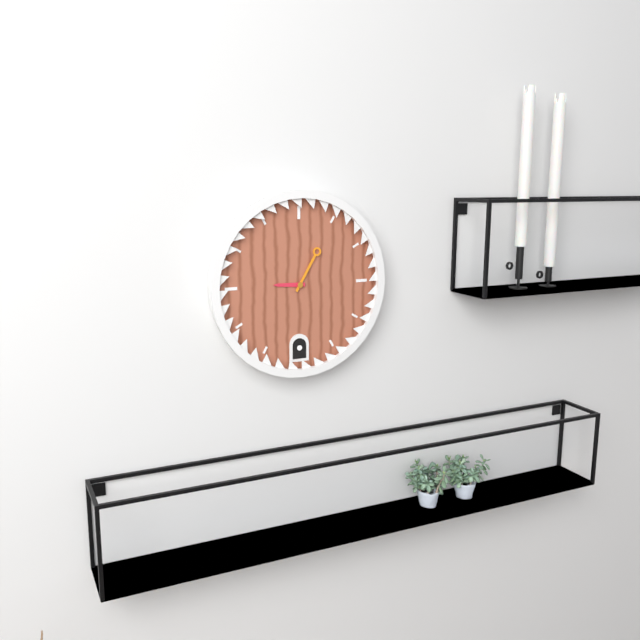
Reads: h=9 m=5
